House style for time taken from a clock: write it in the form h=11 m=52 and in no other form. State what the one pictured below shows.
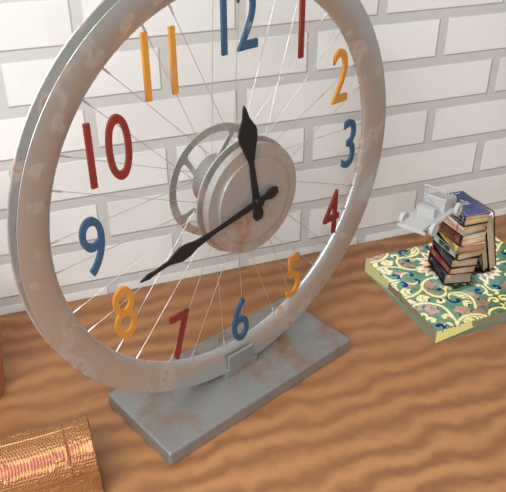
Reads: h=11 m=43
